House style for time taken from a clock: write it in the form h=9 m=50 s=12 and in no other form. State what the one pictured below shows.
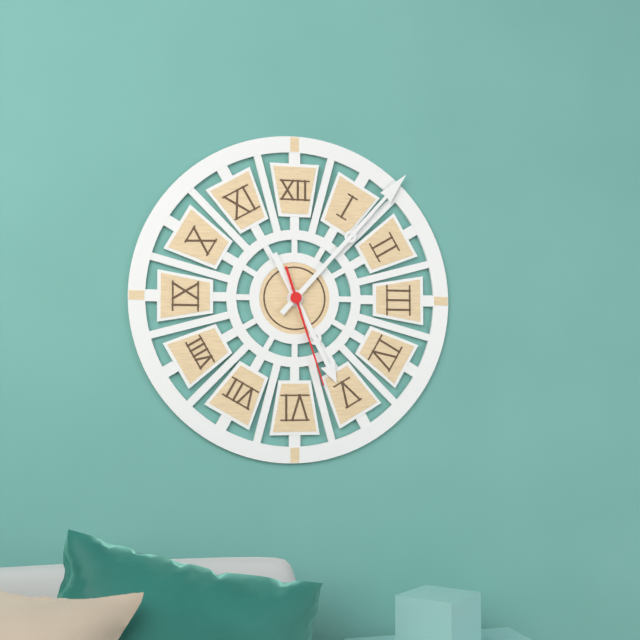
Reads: h=5 m=7 s=27
